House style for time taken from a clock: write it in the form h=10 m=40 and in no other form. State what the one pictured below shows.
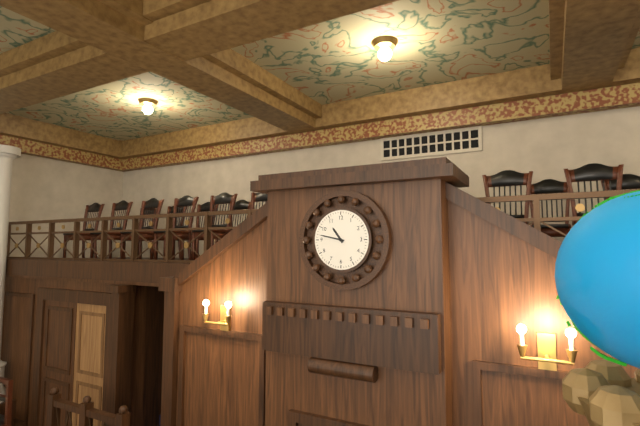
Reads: h=10 m=47
